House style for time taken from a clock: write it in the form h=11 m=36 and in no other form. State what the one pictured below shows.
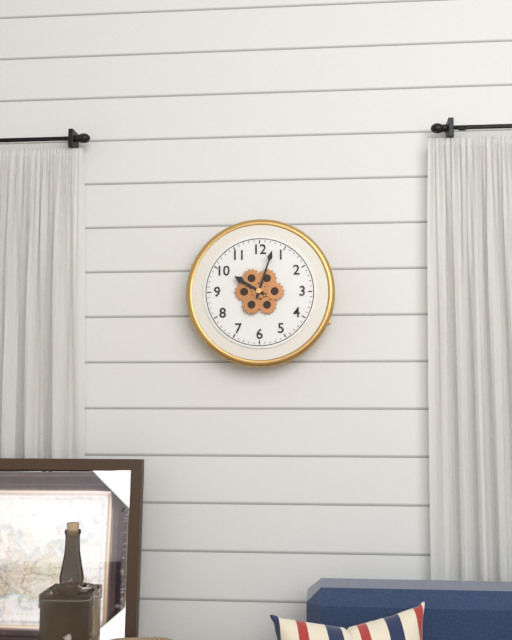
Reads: h=10 m=3
